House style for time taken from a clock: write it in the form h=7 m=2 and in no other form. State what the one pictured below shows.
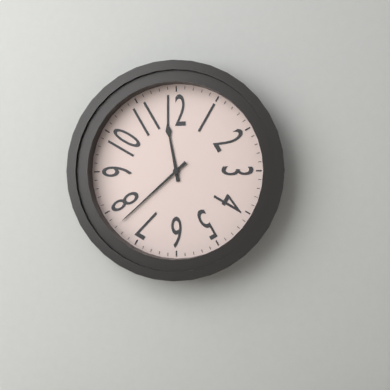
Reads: h=11 m=38
